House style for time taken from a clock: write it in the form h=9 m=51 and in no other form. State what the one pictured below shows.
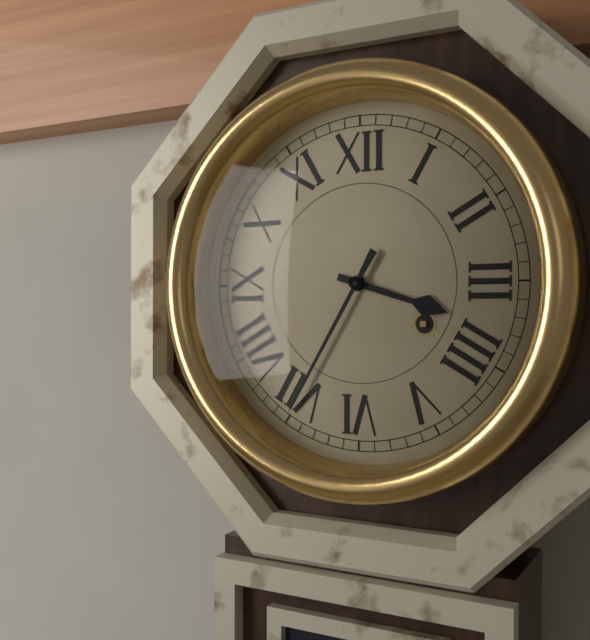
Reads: h=3 m=35
